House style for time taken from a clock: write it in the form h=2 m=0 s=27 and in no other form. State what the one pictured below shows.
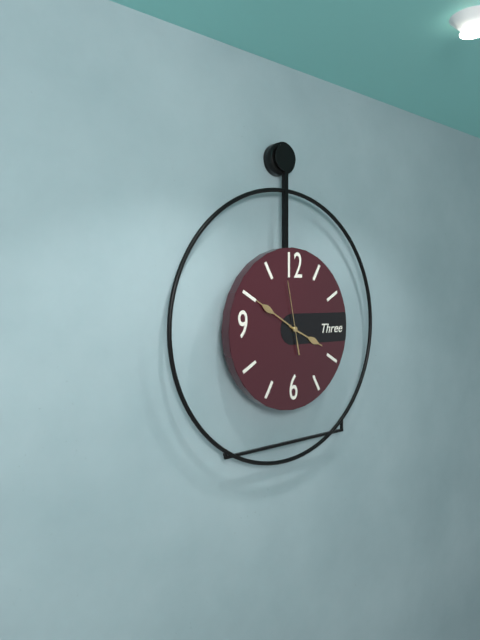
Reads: h=3 m=50 s=58
